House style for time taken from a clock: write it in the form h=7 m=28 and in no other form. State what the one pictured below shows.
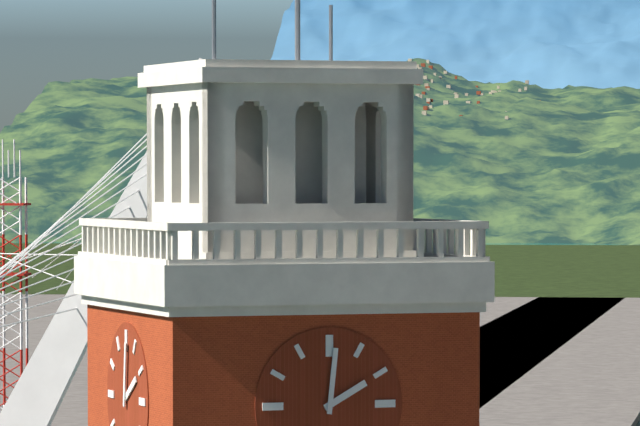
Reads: h=2 m=1
